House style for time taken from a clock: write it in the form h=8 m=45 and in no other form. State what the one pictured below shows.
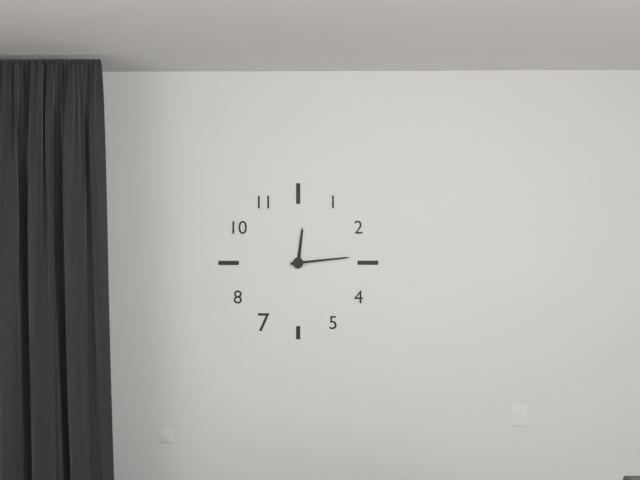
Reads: h=12 m=14
